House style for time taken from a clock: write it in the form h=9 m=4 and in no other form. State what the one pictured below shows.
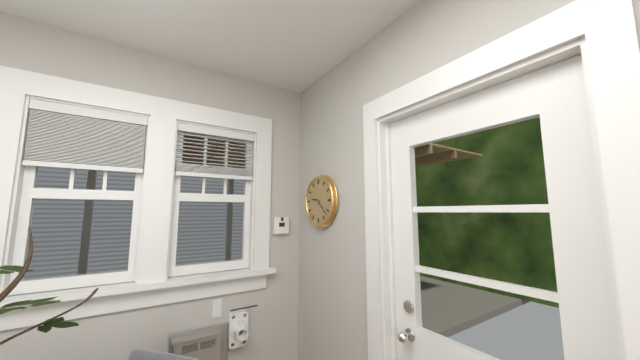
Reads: h=9 m=22
